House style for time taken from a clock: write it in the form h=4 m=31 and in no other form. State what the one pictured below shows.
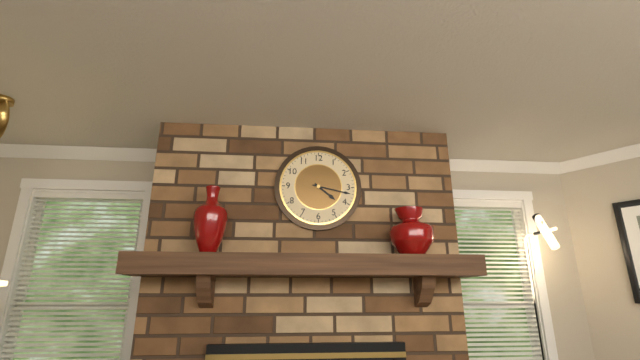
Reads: h=4 m=17
